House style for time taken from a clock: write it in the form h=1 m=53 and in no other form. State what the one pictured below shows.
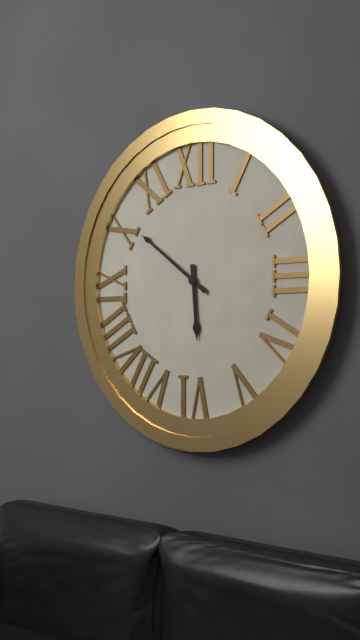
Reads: h=5 m=51
